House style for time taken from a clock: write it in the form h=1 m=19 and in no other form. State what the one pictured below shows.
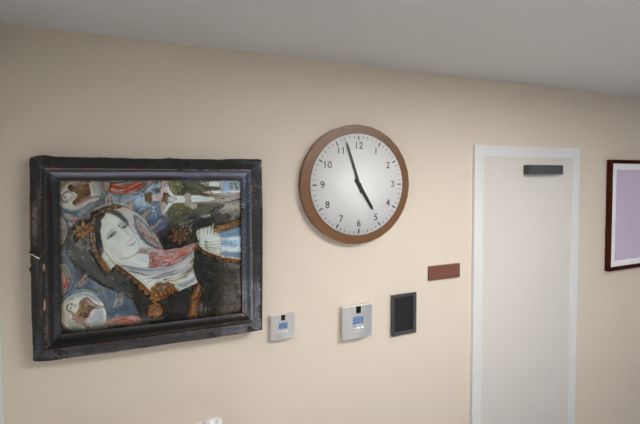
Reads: h=4 m=57
